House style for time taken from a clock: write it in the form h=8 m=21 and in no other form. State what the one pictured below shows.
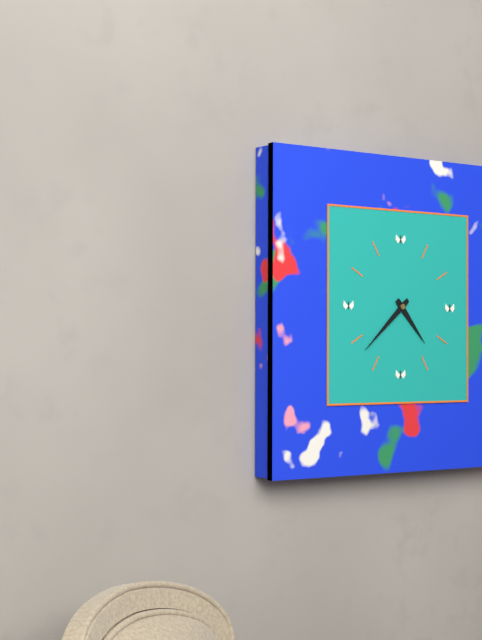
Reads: h=4 m=38
